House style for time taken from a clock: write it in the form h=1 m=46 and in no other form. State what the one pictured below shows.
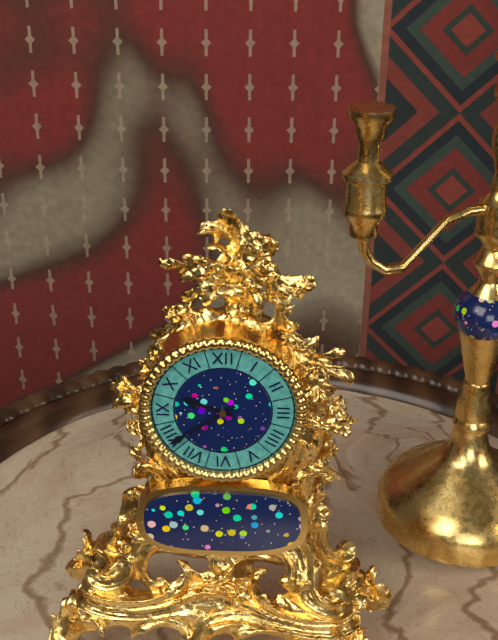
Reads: h=9 m=39
